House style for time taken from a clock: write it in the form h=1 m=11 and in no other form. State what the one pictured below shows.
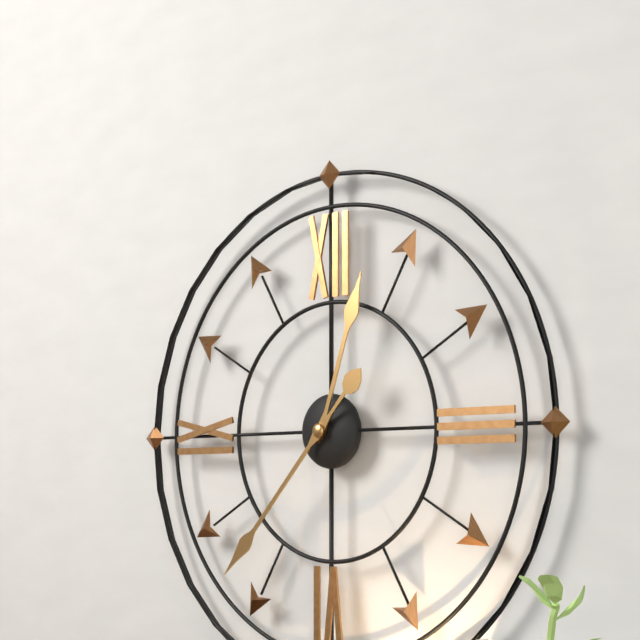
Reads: h=12 m=37
